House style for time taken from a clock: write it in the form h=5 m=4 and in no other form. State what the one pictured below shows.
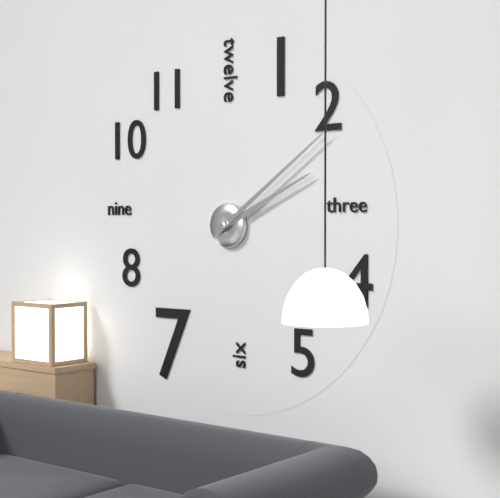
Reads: h=2 m=9
